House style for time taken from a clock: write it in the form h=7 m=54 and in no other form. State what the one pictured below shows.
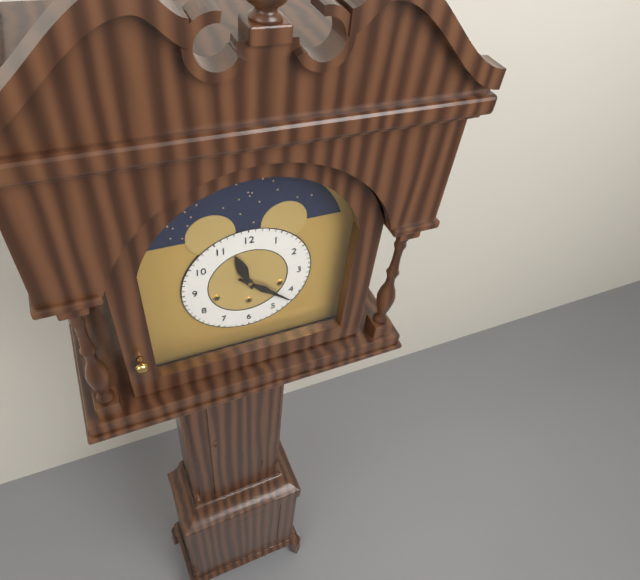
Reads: h=11 m=22
